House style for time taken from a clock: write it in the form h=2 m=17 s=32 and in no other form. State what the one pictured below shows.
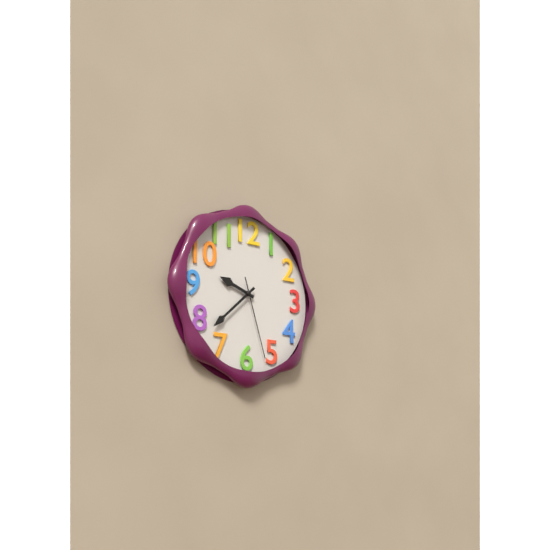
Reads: h=9 m=38 s=27
